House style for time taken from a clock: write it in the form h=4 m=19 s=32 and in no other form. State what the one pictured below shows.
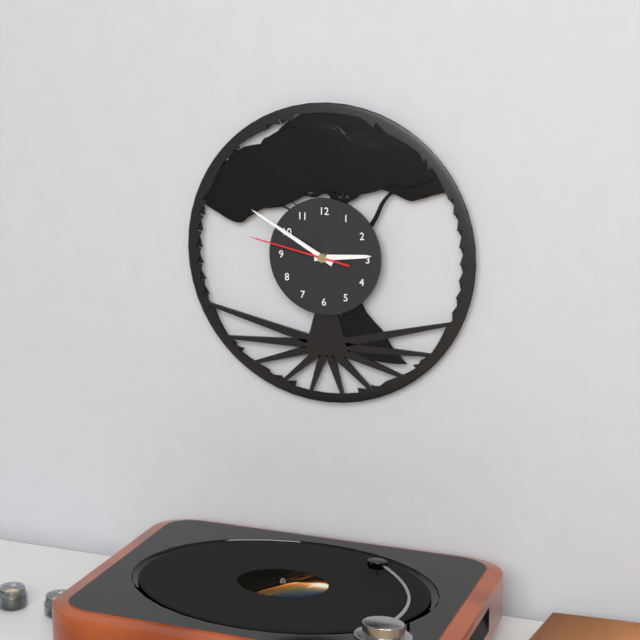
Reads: h=2 m=50 s=47
